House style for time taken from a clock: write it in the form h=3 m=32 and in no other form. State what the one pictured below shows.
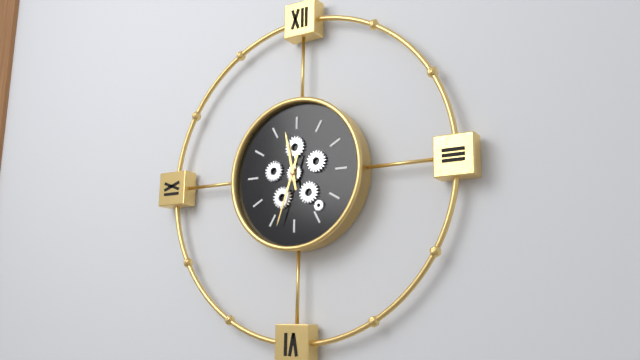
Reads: h=11 m=33
